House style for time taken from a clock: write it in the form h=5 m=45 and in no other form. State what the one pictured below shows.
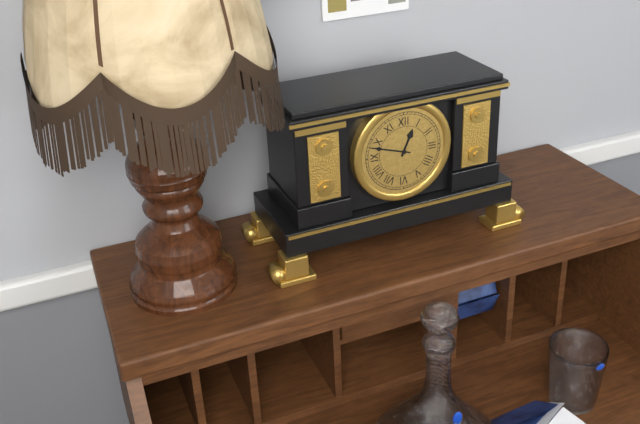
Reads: h=12 m=48
